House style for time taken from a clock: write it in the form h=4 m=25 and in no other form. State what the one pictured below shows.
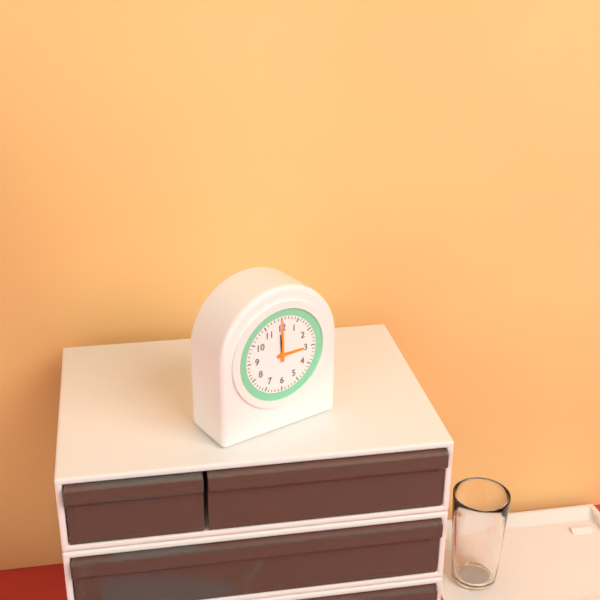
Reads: h=3 m=0
